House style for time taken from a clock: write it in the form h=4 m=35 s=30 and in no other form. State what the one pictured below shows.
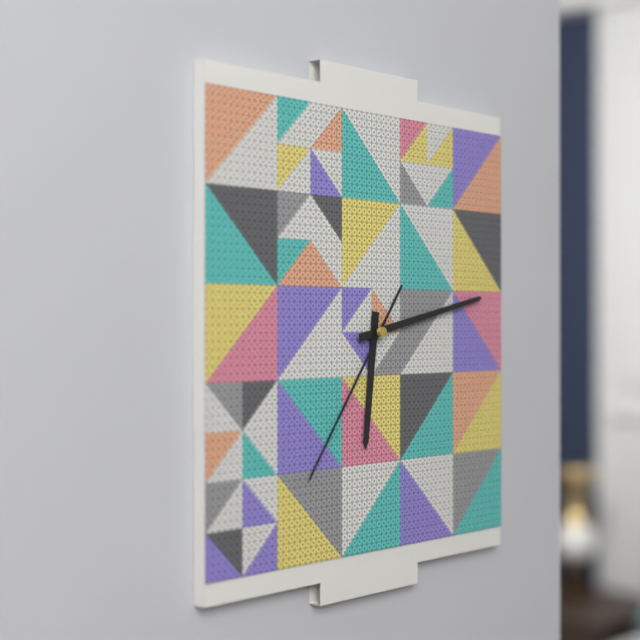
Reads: h=6 m=13 s=36
